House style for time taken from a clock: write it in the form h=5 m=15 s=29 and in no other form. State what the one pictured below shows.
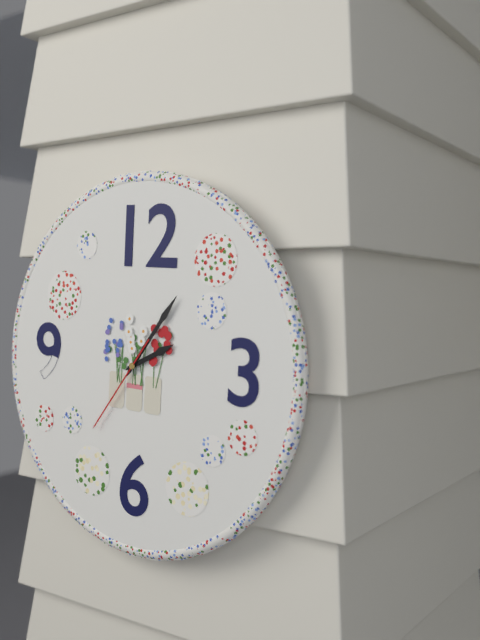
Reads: h=2 m=6 s=36
